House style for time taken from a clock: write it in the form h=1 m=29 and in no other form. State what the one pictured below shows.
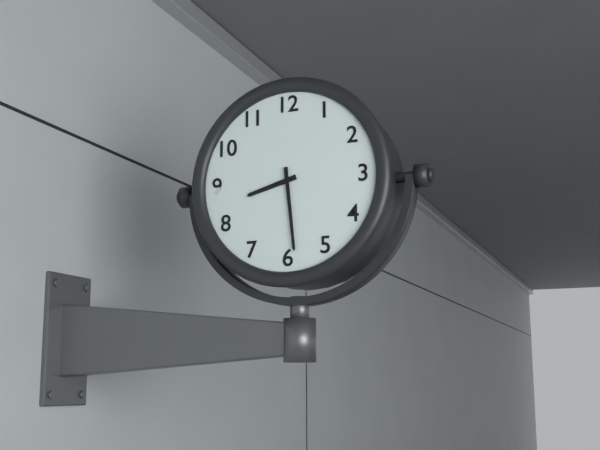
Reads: h=8 m=29
